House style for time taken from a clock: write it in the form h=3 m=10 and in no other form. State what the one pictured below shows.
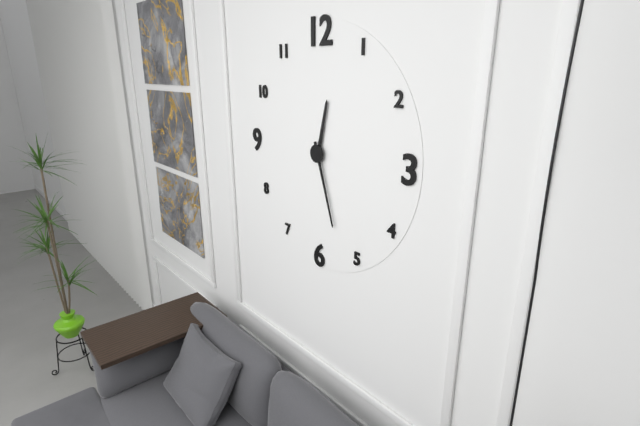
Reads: h=12 m=27
